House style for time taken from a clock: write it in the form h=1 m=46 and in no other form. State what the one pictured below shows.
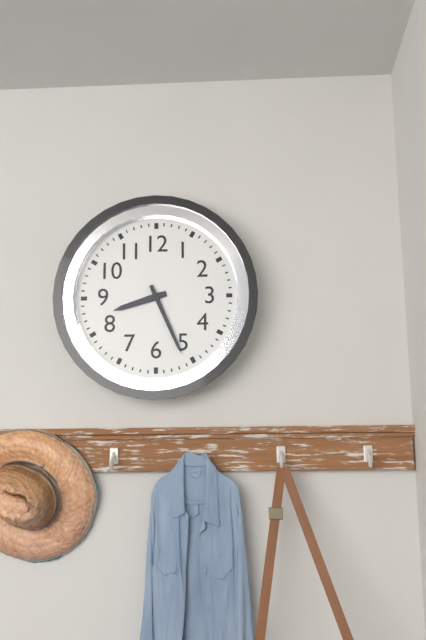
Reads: h=8 m=26
